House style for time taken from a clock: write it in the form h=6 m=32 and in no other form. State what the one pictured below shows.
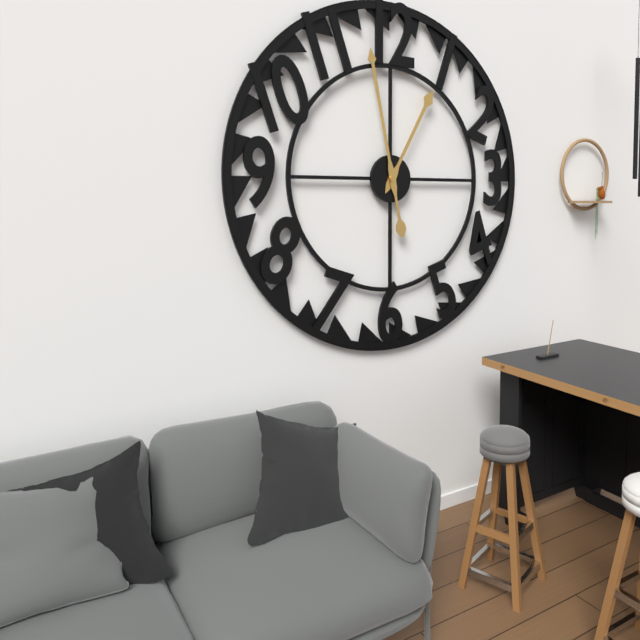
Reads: h=12 m=58
